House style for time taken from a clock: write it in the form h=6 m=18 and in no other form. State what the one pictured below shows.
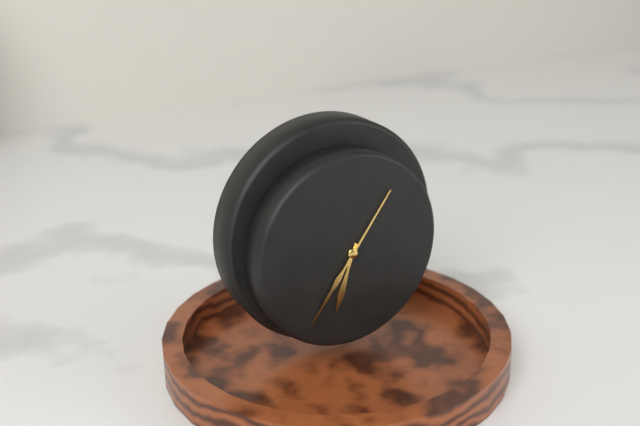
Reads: h=6 m=36
